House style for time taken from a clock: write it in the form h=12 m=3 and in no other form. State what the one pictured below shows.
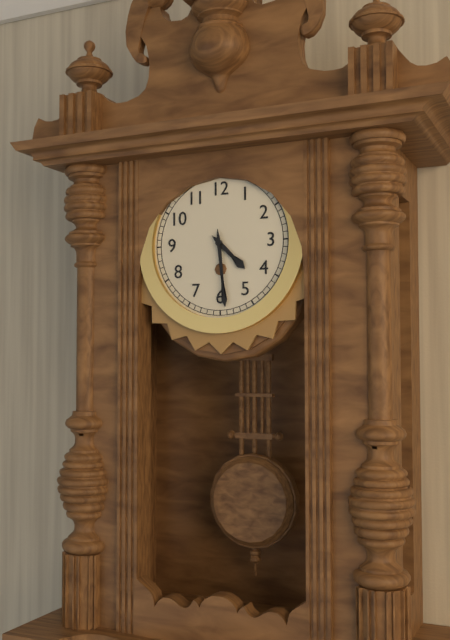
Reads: h=4 m=29
